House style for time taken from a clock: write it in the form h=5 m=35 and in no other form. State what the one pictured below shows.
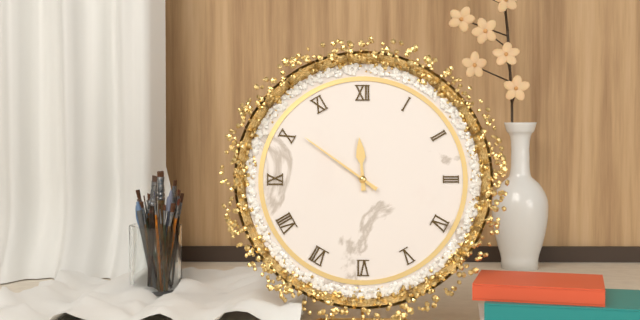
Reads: h=11 m=51
